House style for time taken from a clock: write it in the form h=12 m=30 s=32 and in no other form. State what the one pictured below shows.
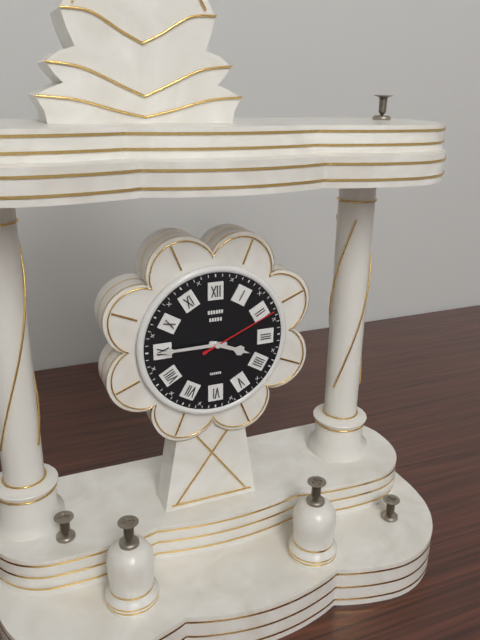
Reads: h=3 m=45 s=11
